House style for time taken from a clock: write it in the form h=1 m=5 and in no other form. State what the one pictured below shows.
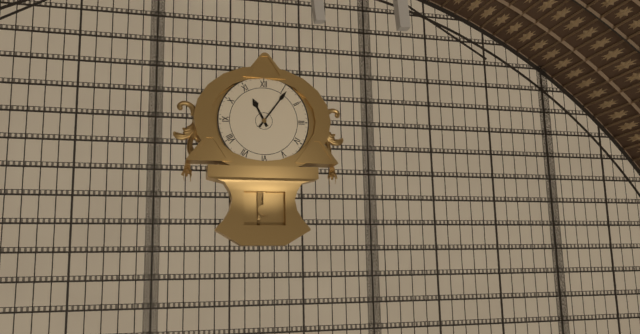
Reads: h=11 m=6
